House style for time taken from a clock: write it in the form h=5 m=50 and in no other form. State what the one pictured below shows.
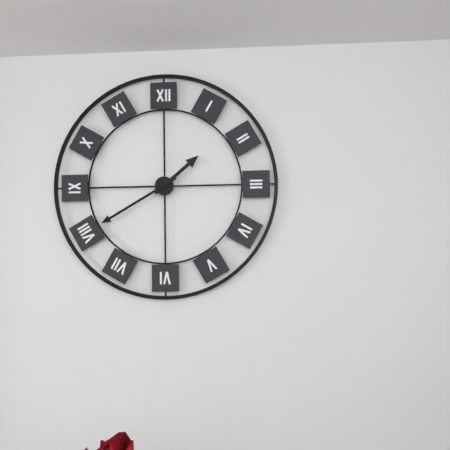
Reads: h=1 m=40
